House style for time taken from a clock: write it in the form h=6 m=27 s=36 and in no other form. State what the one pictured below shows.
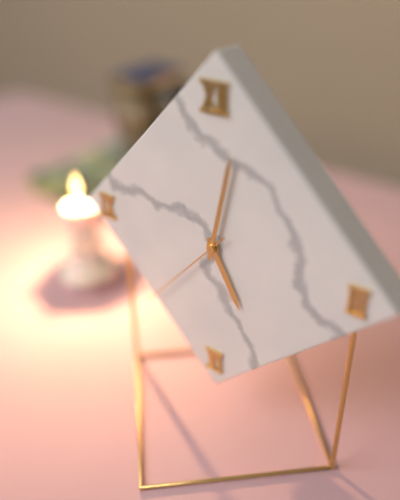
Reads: h=5 m=2 s=37
